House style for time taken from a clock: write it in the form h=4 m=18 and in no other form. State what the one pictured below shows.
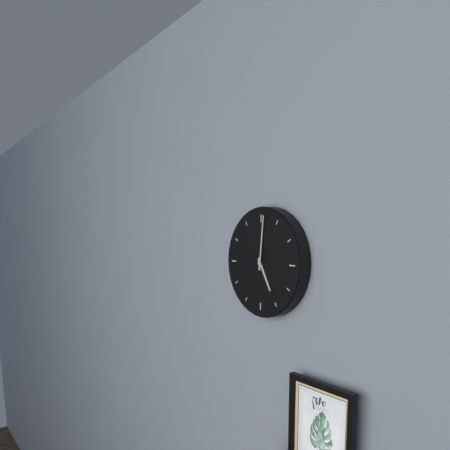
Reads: h=5 m=1
